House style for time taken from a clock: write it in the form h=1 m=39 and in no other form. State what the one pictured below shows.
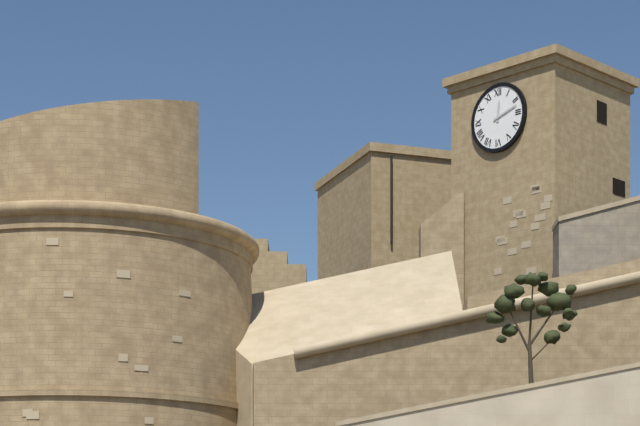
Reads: h=12 m=12
